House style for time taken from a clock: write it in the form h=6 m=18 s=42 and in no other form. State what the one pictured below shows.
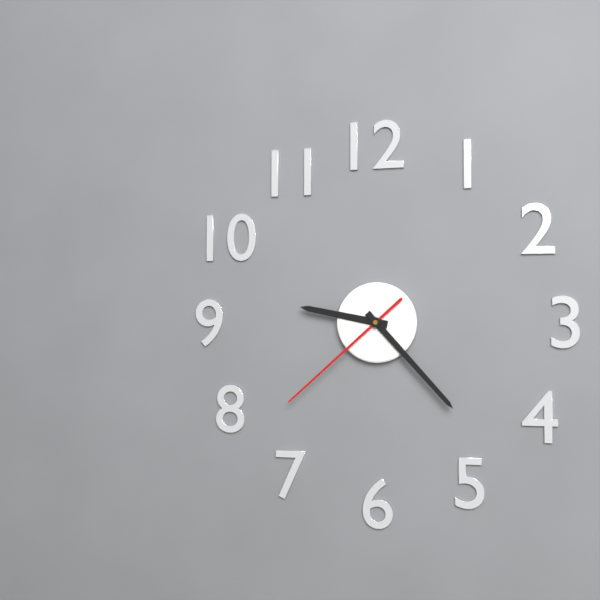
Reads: h=9 m=23 s=38
